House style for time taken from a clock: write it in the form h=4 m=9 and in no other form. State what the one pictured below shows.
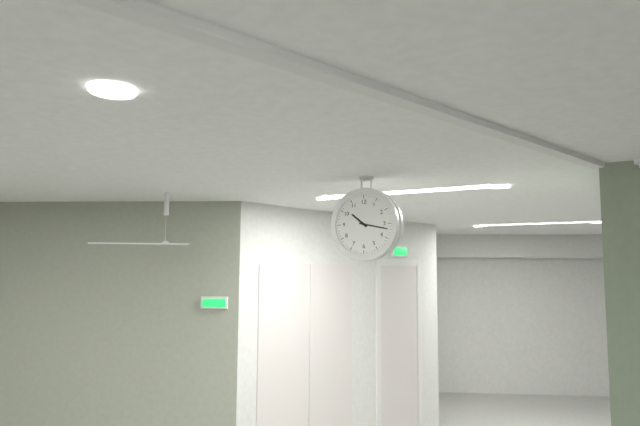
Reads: h=10 m=17
